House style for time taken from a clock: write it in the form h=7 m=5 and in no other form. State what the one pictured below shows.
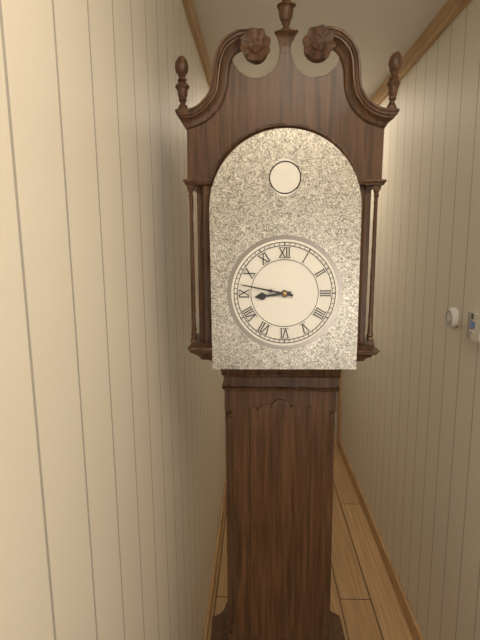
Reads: h=8 m=47
